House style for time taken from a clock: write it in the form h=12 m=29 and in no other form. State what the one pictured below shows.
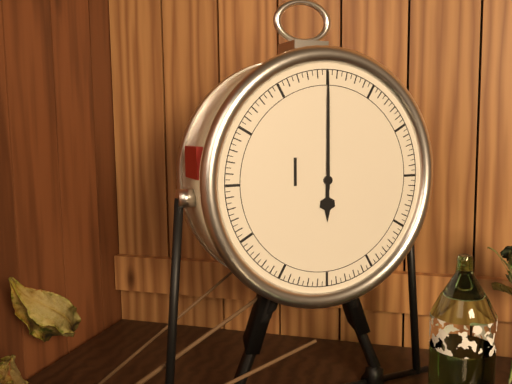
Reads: h=6 m=0
